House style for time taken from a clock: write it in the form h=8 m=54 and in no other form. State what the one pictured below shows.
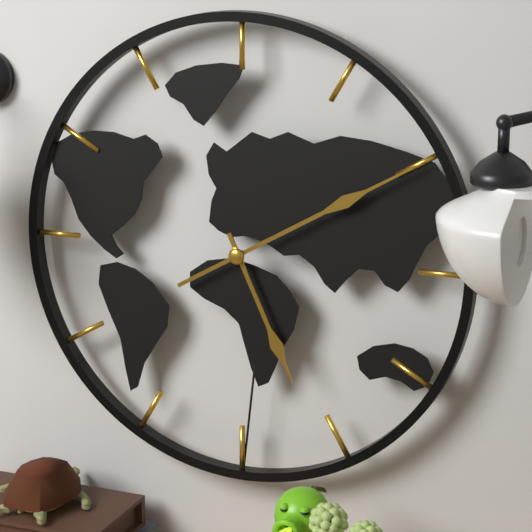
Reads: h=5 m=10
